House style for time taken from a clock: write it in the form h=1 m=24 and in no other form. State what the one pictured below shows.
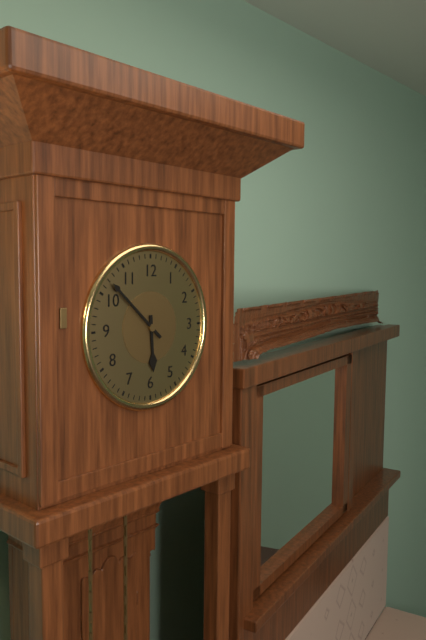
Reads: h=5 m=52
